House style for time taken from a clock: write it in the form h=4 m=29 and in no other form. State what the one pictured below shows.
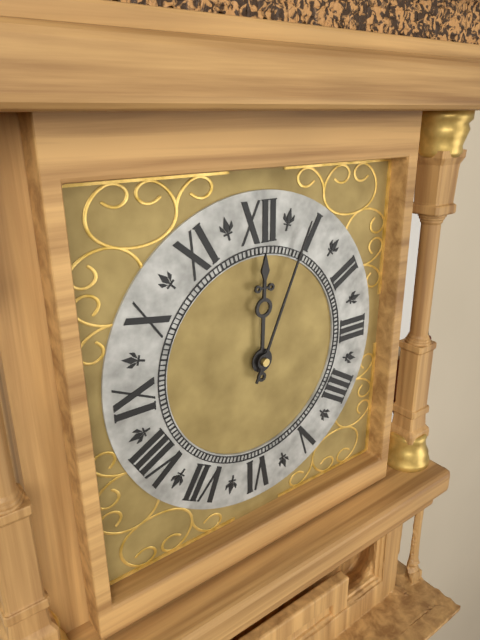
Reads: h=12 m=4
